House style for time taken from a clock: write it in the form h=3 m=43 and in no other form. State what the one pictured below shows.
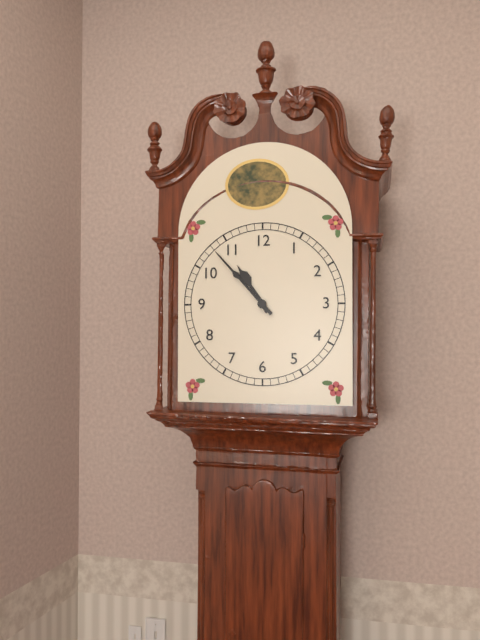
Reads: h=10 m=53
